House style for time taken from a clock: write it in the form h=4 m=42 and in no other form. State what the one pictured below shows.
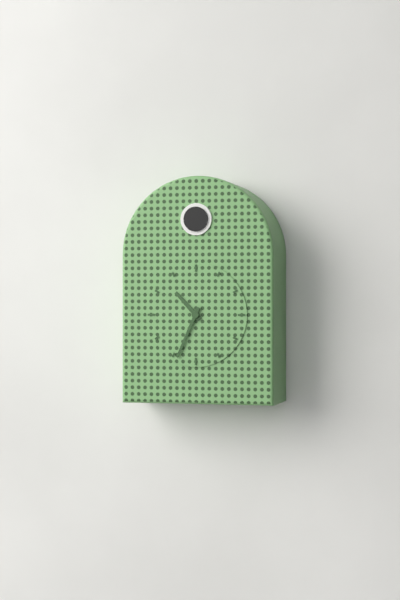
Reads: h=10 m=34
